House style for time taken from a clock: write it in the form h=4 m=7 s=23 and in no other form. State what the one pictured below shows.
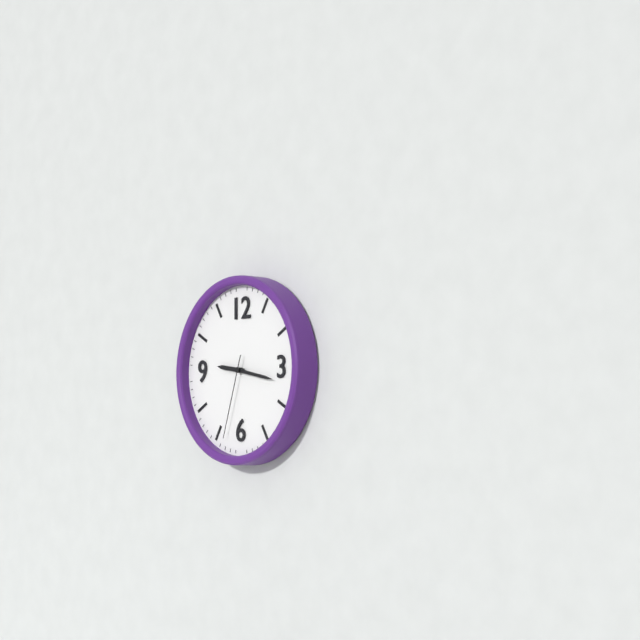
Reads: h=9 m=17 s=33
